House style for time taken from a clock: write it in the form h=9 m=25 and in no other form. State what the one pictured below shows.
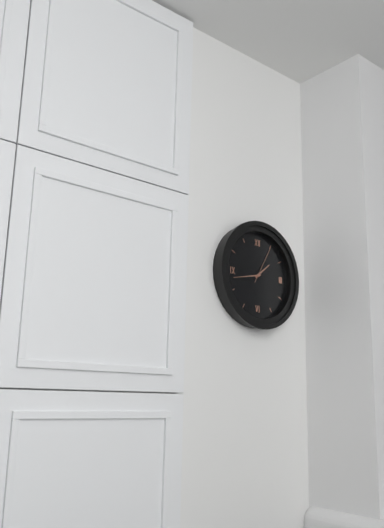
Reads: h=1 m=43
